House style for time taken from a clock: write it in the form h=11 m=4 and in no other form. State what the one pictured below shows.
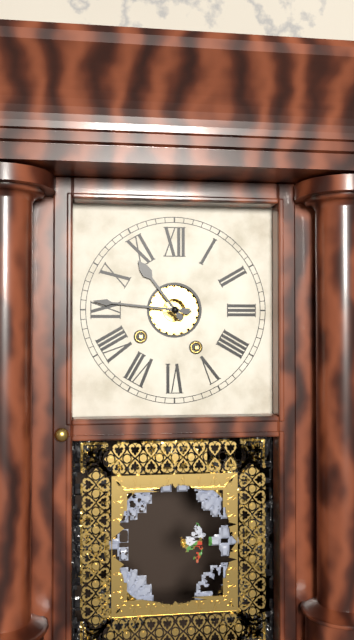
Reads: h=10 m=46
